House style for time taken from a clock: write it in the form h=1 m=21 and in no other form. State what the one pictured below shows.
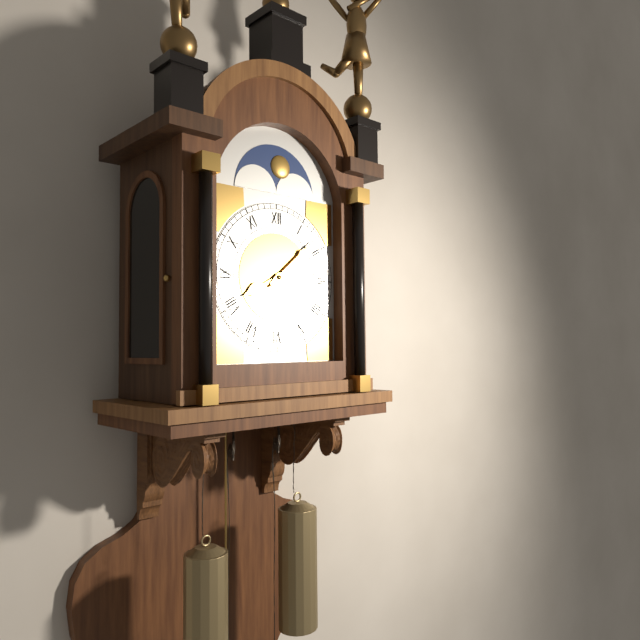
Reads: h=8 m=8
